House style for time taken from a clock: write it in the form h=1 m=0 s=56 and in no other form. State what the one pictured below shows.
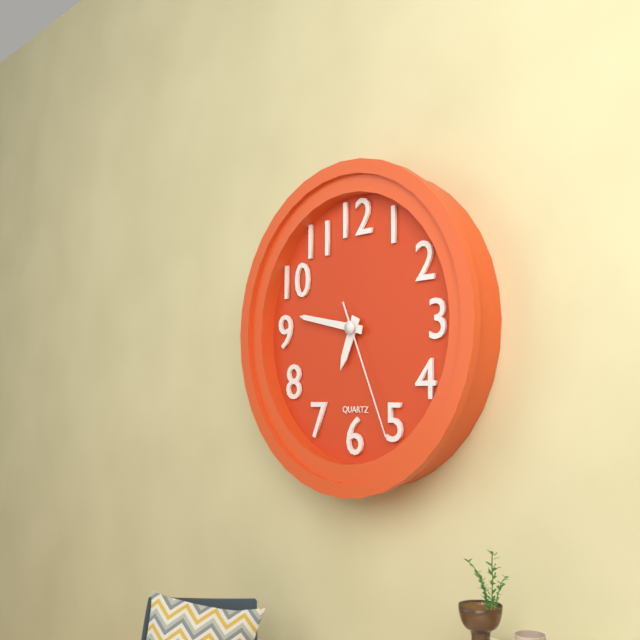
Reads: h=6 m=47 s=26
